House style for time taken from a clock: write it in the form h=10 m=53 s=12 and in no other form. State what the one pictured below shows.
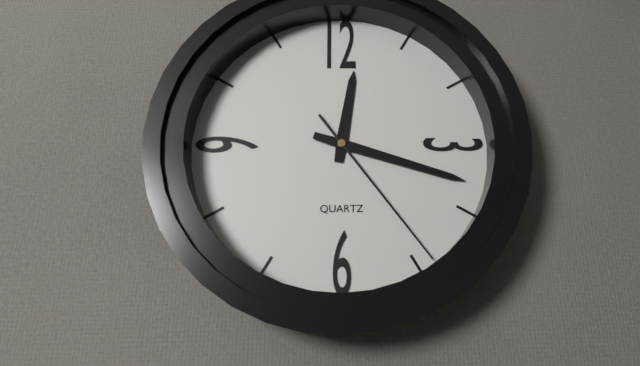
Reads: h=12 m=18 s=24
